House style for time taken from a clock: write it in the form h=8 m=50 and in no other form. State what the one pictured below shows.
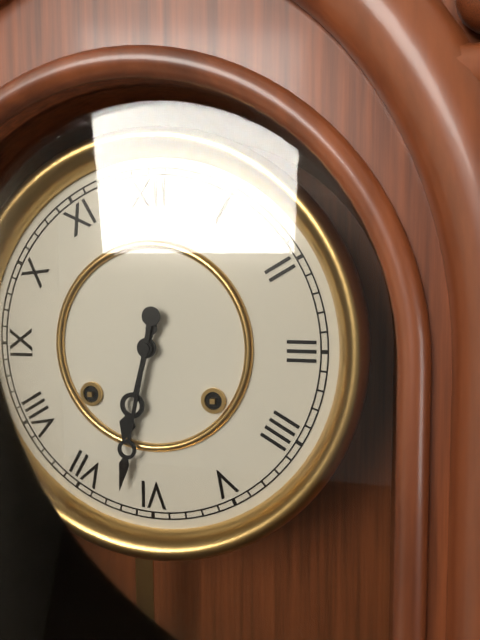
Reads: h=6 m=32
